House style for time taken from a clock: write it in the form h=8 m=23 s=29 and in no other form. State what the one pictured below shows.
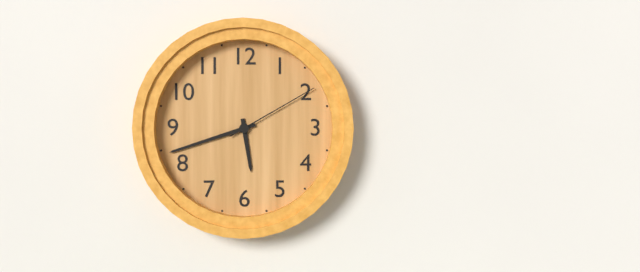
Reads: h=5 m=42 s=10
